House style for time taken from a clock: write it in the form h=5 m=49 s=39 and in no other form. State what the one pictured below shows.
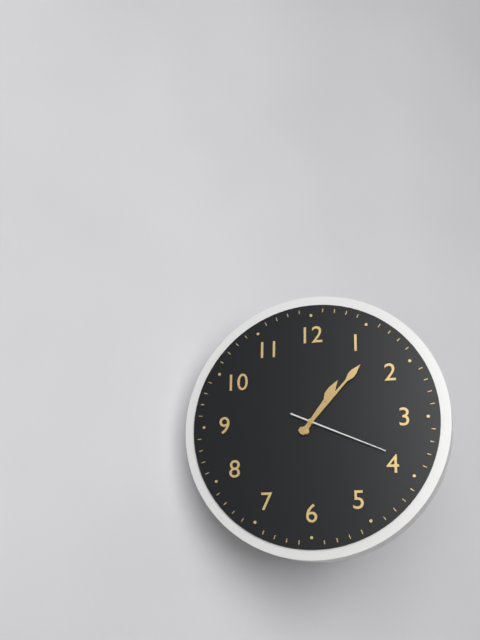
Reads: h=1 m=7 s=19
